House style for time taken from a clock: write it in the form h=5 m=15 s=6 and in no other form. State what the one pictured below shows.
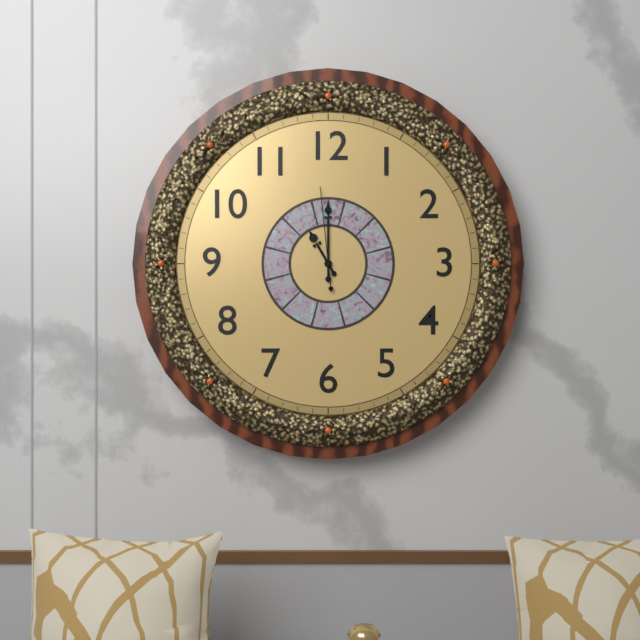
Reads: h=11 m=0 s=59
